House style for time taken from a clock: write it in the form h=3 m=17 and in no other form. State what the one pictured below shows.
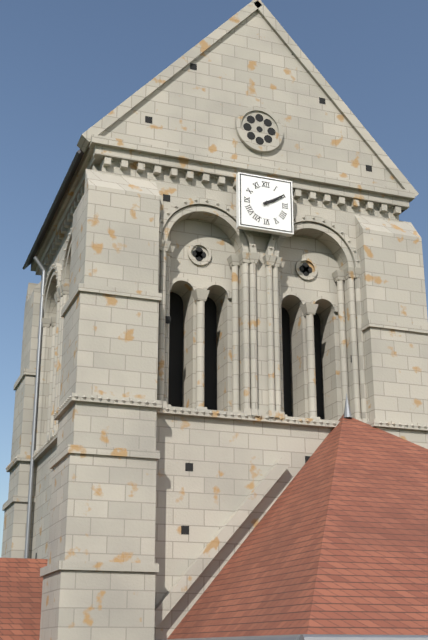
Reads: h=2 m=10
